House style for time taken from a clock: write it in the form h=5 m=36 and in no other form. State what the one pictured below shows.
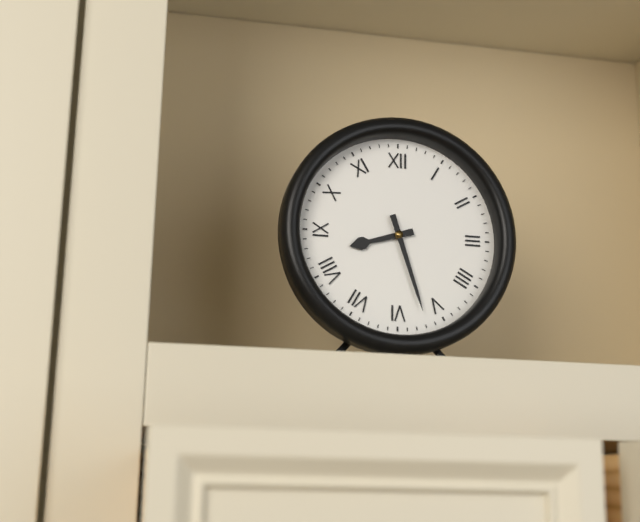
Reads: h=8 m=27
